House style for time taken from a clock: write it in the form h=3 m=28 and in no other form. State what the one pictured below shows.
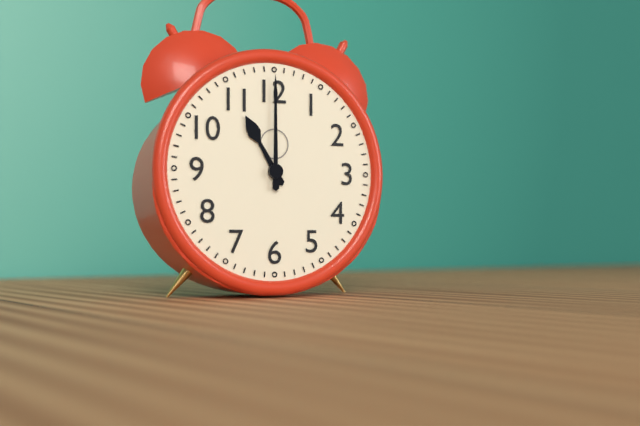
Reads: h=11 m=0
